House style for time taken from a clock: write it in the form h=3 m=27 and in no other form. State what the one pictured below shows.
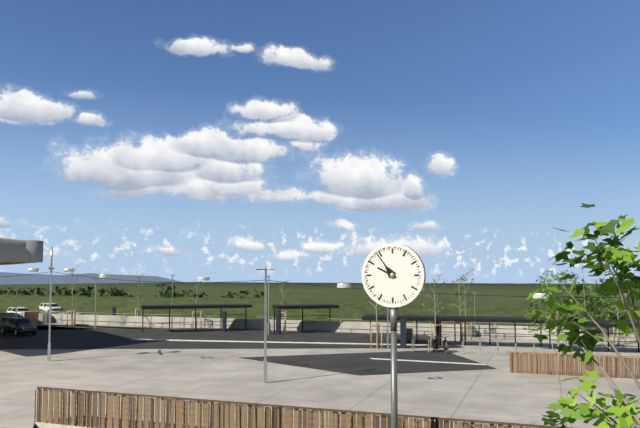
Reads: h=9 m=54
